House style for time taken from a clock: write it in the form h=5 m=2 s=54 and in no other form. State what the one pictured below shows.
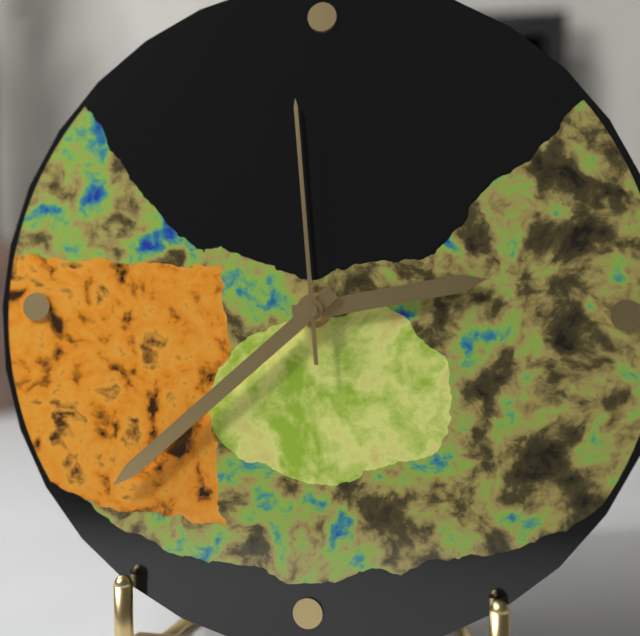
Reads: h=2 m=38 s=59
